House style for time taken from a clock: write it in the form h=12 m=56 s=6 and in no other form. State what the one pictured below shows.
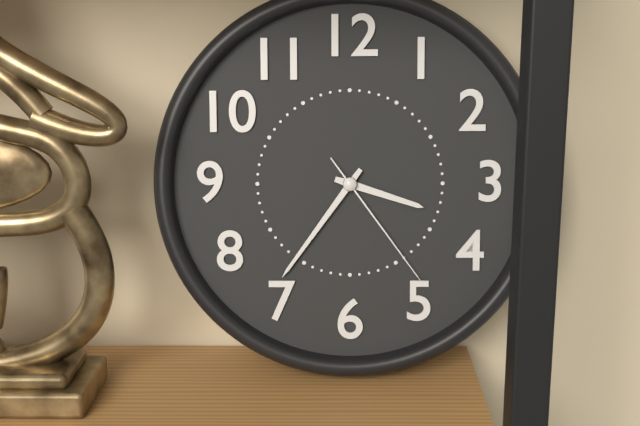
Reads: h=3 m=36 s=24
